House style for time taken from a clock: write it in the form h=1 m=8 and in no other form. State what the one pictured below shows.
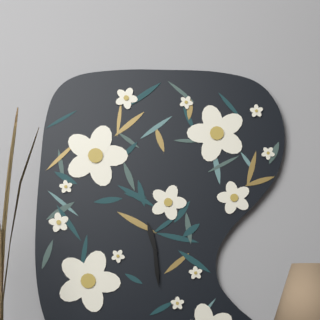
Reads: h=11 m=29
